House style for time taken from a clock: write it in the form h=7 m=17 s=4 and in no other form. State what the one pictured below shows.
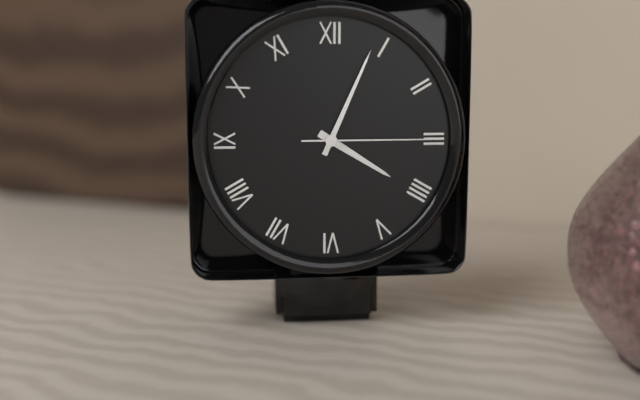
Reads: h=4 m=4 s=15
